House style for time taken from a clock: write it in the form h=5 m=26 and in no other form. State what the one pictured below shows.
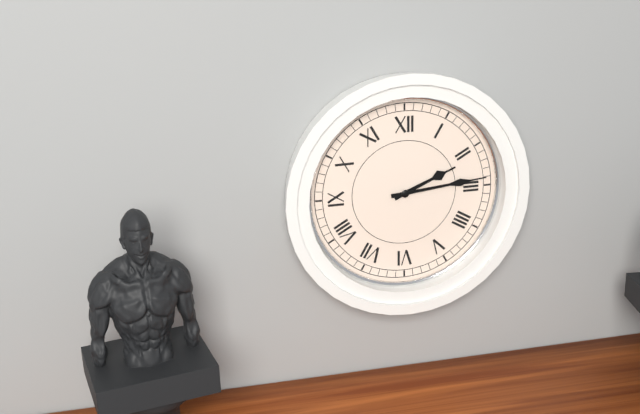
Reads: h=2 m=14
